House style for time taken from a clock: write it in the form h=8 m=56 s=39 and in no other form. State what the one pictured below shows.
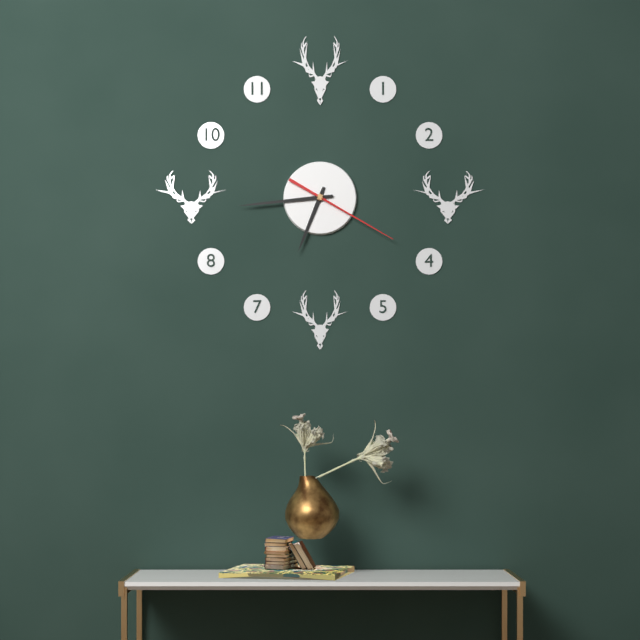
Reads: h=6 m=44 s=20
